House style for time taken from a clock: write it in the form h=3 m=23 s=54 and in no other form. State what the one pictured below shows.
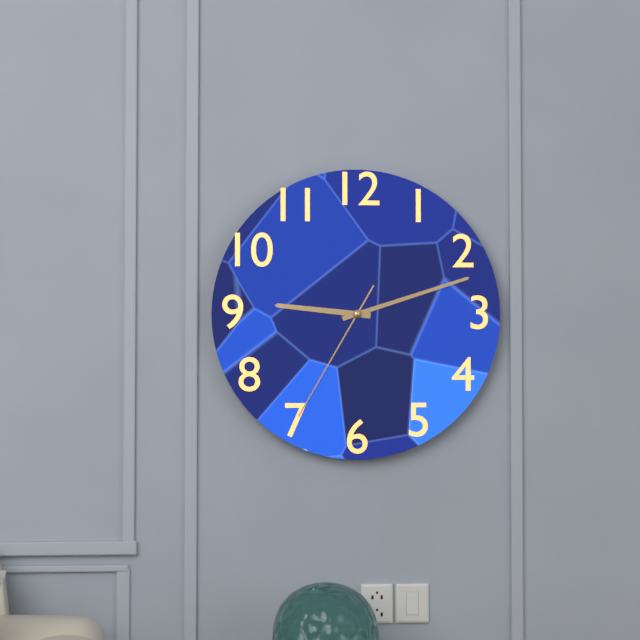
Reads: h=9 m=12 s=35
